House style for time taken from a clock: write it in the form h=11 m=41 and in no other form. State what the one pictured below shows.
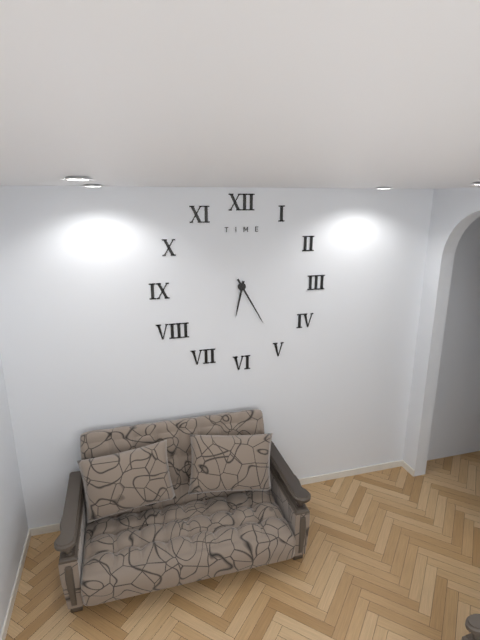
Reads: h=6 m=25
